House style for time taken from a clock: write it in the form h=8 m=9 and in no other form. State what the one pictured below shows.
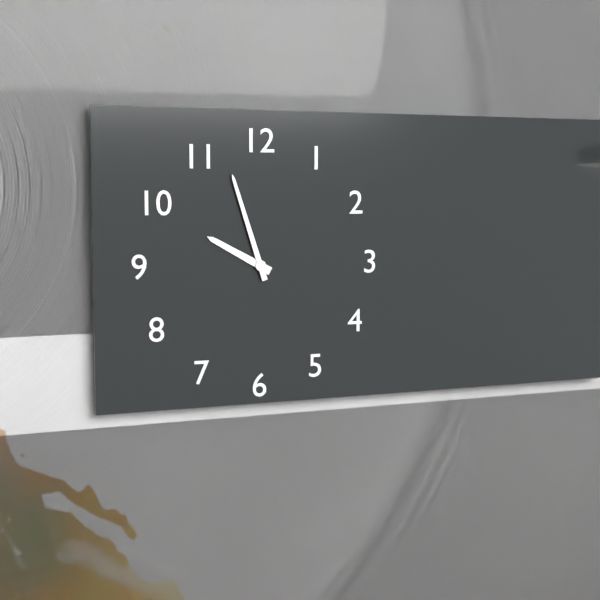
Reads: h=9 m=57
